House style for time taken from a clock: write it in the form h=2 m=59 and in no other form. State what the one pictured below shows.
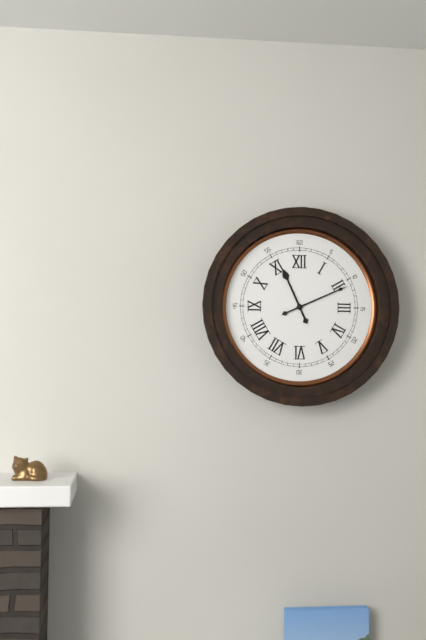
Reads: h=11 m=11
